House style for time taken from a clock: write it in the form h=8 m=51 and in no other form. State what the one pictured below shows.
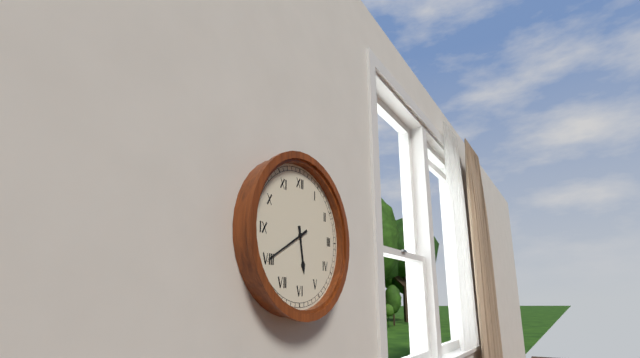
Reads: h=5 m=40
